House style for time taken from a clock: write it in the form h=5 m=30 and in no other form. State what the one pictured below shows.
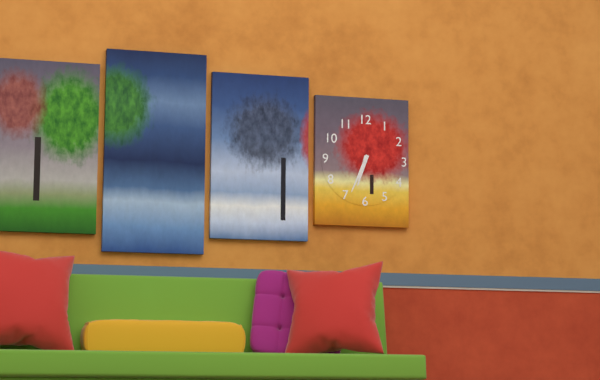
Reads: h=6 m=34
